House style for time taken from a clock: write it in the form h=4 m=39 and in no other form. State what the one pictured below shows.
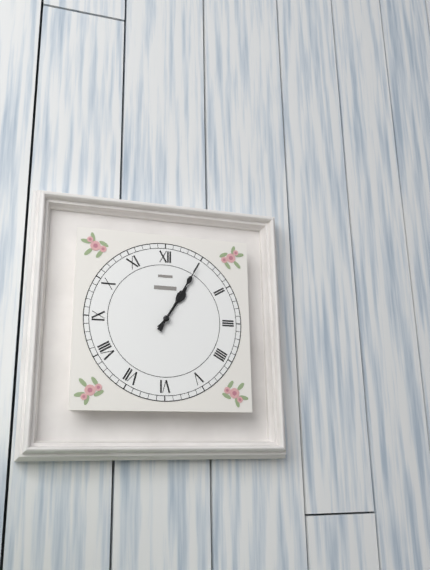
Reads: h=1 m=5
